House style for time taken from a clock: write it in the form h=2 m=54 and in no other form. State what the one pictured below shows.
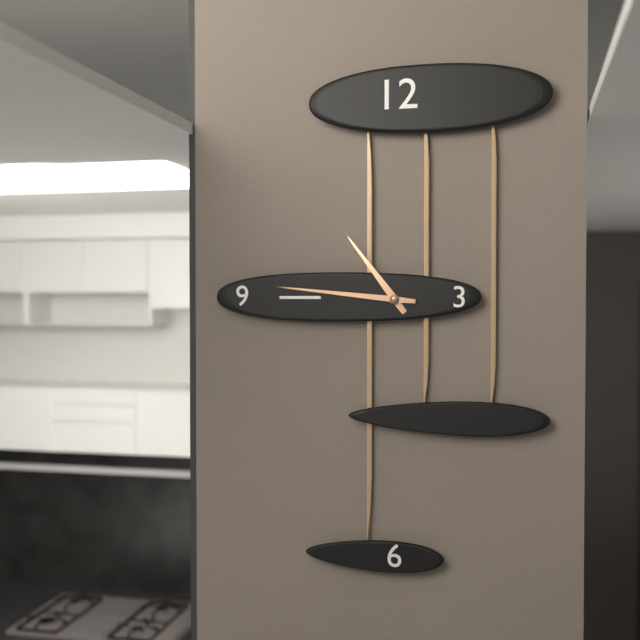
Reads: h=10 m=46
